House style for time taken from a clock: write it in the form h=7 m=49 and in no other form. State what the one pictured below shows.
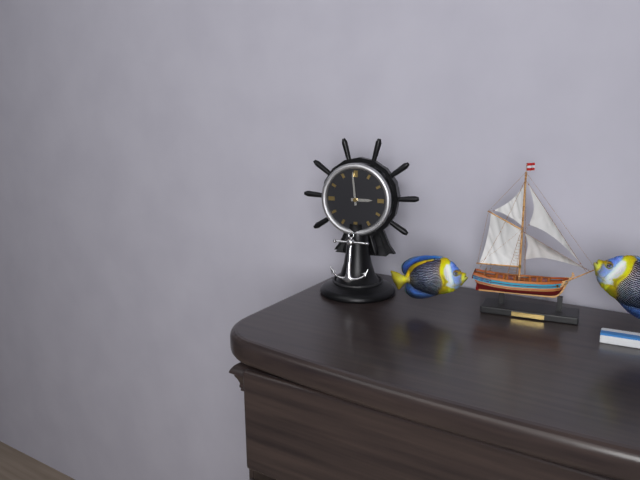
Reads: h=2 m=59
